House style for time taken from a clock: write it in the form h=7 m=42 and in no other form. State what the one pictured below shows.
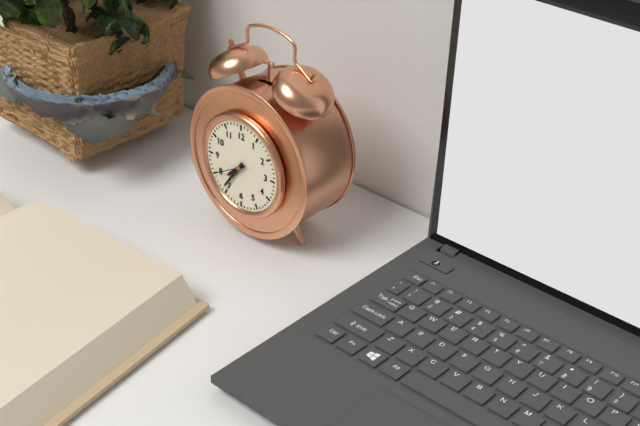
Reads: h=7 m=36
